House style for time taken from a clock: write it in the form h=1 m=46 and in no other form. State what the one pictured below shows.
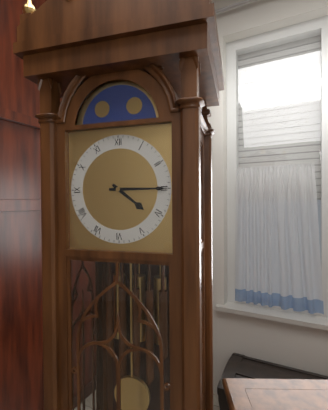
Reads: h=4 m=15
